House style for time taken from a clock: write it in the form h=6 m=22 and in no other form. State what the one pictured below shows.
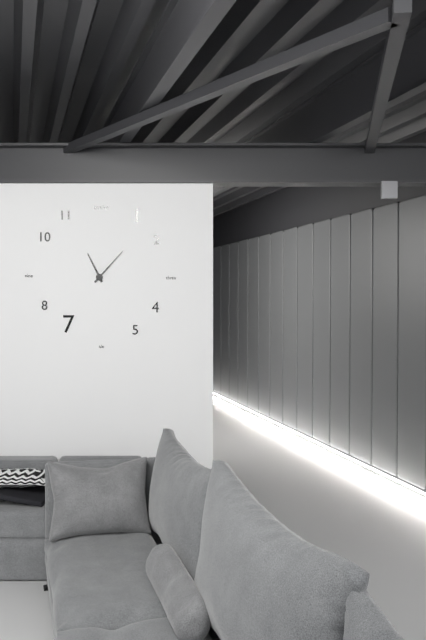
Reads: h=11 m=7
